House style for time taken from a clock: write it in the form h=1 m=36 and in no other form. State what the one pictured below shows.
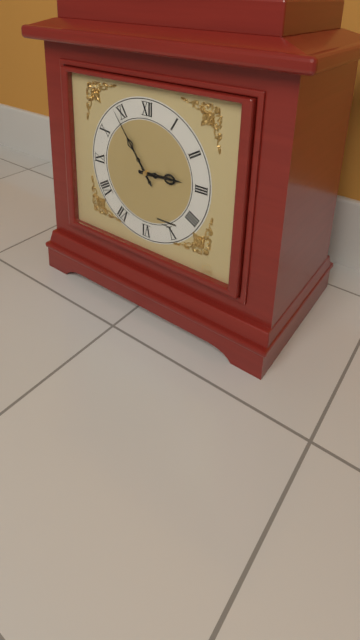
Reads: h=2 m=54
